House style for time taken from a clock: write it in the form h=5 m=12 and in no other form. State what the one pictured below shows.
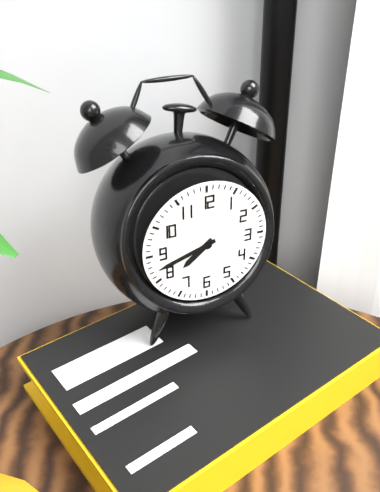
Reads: h=7 m=42
